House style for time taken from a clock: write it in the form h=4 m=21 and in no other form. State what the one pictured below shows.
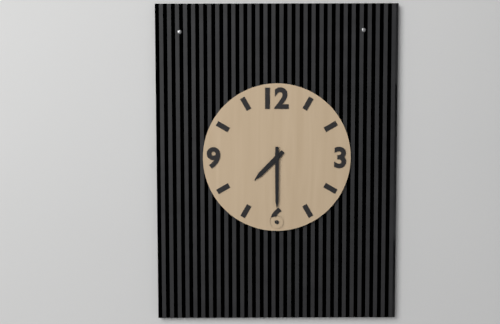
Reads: h=7 m=30
